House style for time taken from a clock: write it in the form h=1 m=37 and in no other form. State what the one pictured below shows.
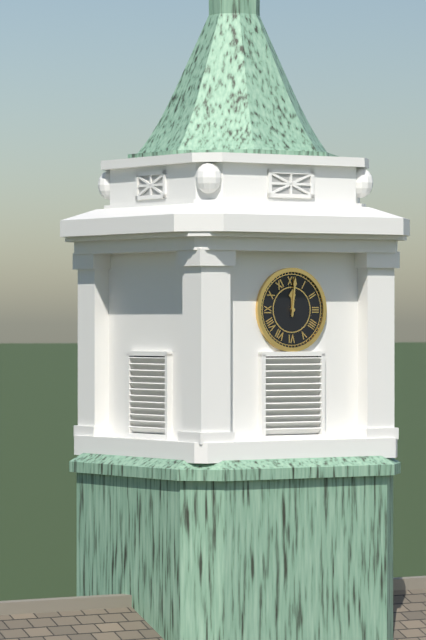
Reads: h=12 m=1
